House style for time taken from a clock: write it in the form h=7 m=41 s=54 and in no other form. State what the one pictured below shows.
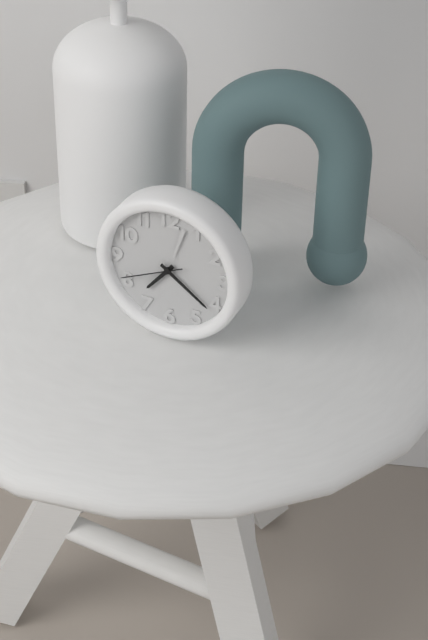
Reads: h=7 m=21 s=41
